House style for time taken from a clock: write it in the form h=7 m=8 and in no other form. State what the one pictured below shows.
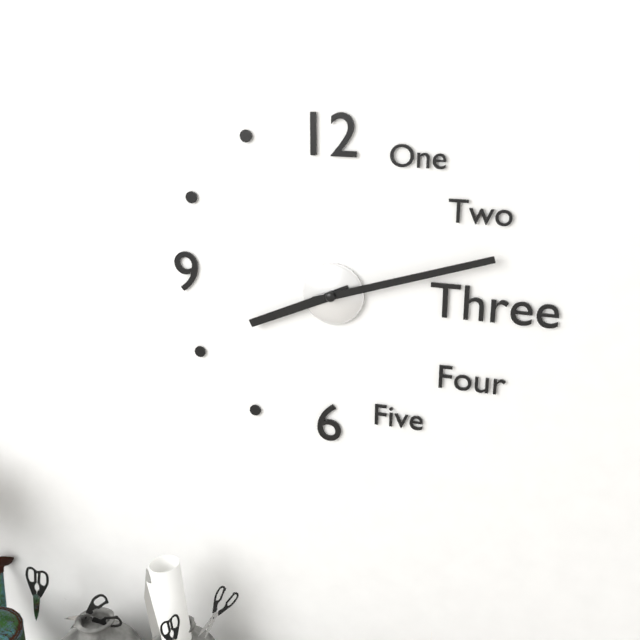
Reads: h=8 m=12
